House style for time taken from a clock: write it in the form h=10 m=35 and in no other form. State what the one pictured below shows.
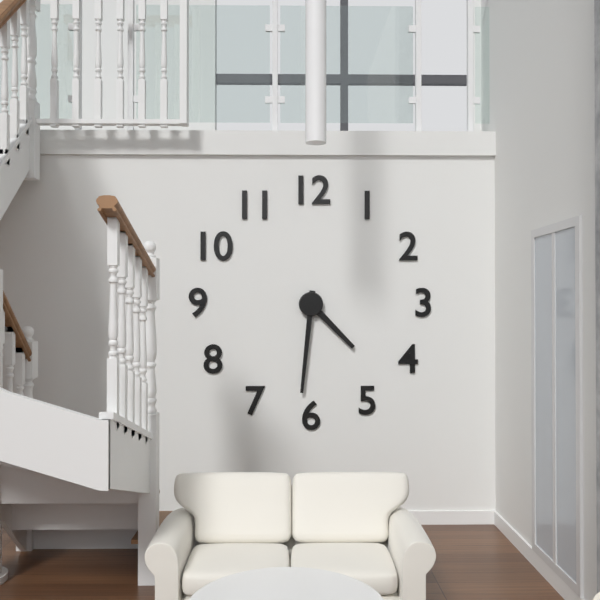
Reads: h=4 m=31
